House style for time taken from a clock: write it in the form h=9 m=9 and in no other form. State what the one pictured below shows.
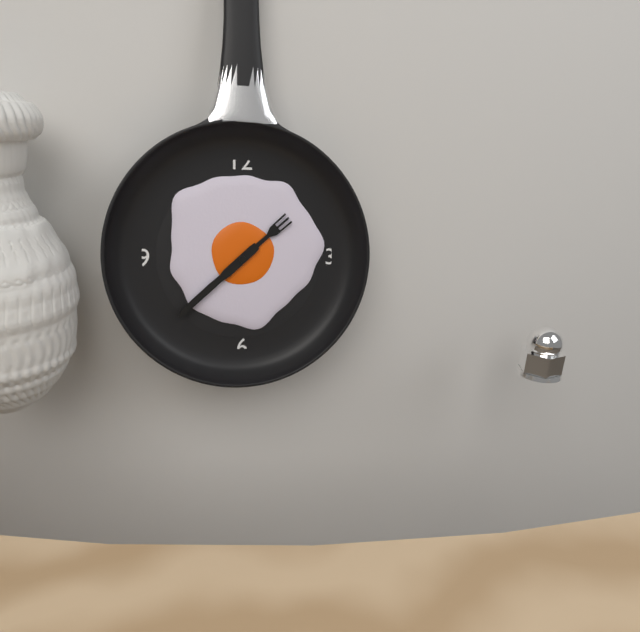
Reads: h=1 m=38
